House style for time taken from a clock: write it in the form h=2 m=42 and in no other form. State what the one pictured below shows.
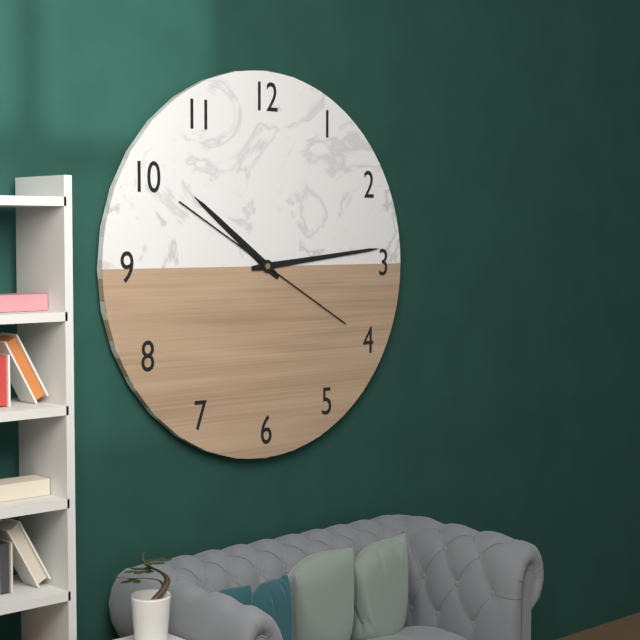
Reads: h=10 m=14
